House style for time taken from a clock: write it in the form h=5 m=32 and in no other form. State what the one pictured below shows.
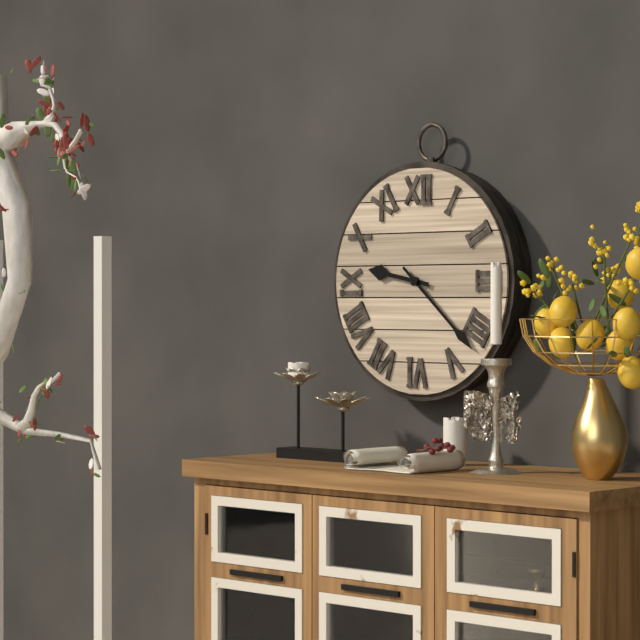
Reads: h=9 m=22
